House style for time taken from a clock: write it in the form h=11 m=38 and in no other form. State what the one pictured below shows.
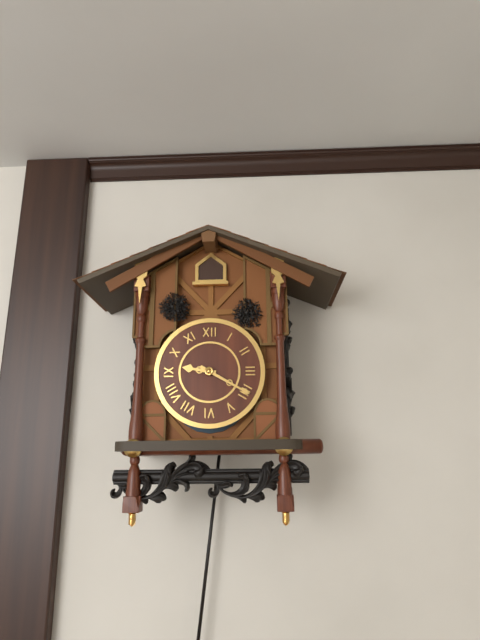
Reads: h=9 m=20
